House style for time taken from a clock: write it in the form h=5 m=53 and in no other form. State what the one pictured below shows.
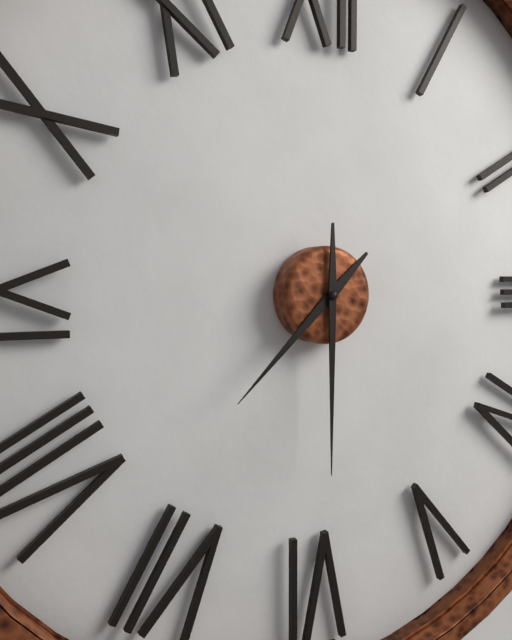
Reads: h=7 m=30
